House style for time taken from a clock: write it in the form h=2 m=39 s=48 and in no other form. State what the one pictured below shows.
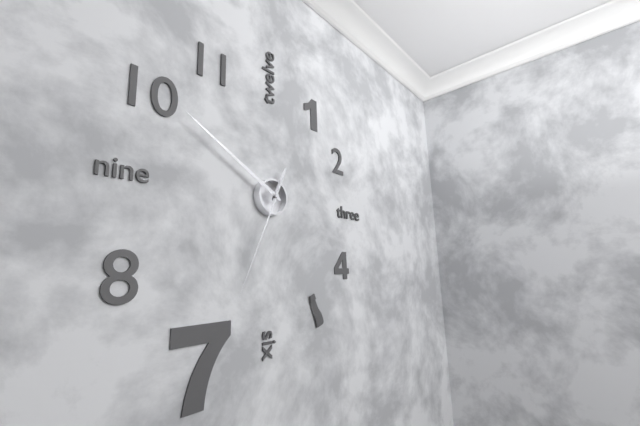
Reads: h=12 m=50 s=34
